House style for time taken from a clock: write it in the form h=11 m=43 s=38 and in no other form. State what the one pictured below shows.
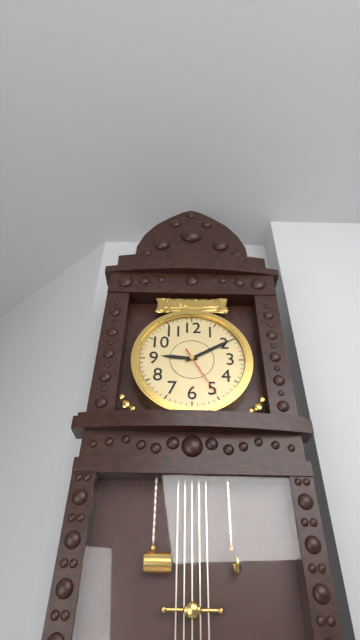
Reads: h=9 m=10 s=25
